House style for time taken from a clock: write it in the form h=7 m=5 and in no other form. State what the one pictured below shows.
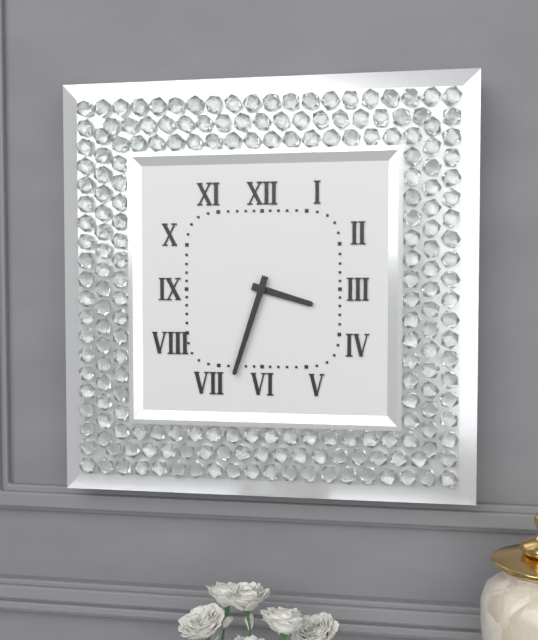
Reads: h=3 m=33
